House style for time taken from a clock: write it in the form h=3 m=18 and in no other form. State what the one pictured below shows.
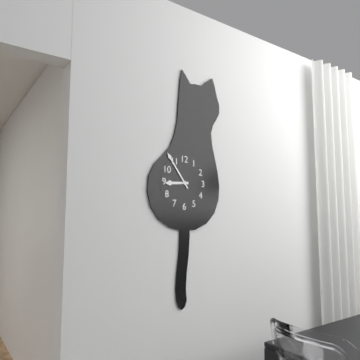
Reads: h=8 m=54
